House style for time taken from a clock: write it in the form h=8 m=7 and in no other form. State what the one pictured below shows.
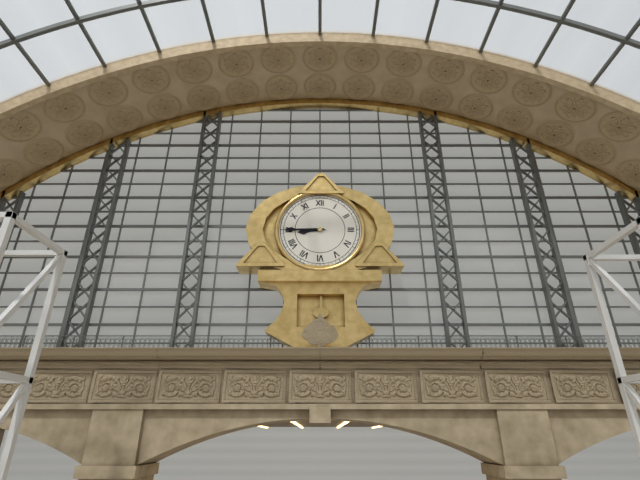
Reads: h=8 m=45
